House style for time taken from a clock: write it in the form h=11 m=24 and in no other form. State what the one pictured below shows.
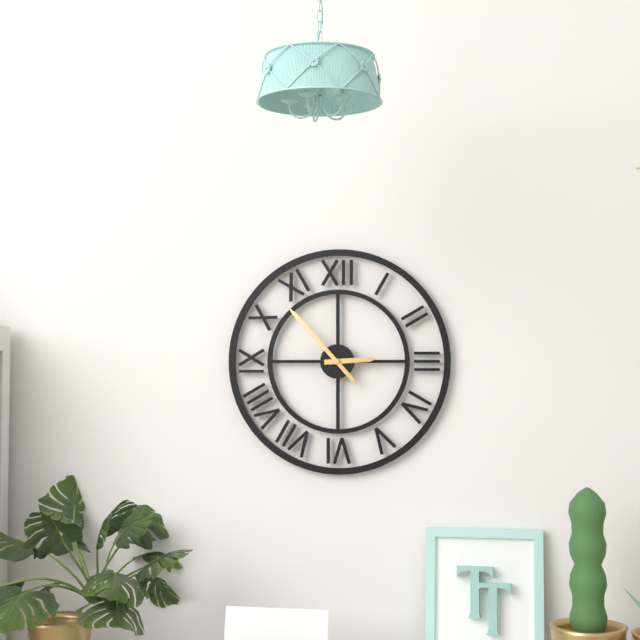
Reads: h=2 m=53
